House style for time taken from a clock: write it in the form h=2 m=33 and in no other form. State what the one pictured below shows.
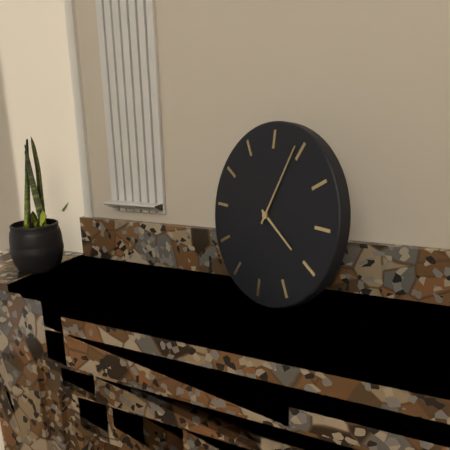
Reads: h=4 m=4
